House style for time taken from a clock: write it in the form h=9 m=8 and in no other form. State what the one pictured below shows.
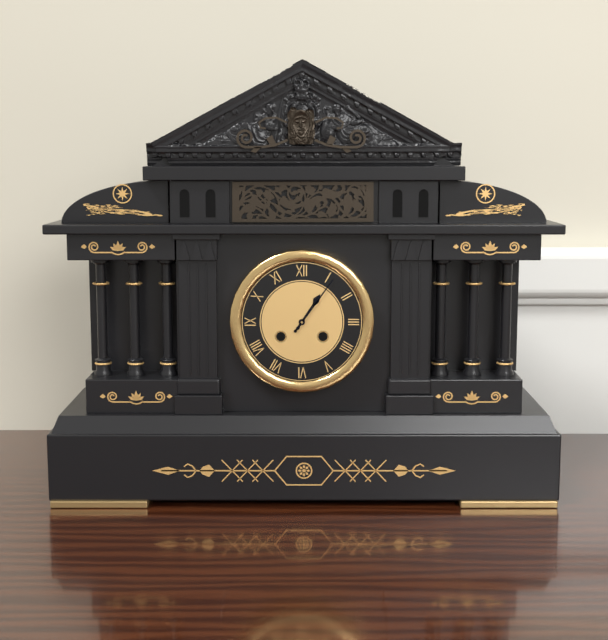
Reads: h=1 m=6
